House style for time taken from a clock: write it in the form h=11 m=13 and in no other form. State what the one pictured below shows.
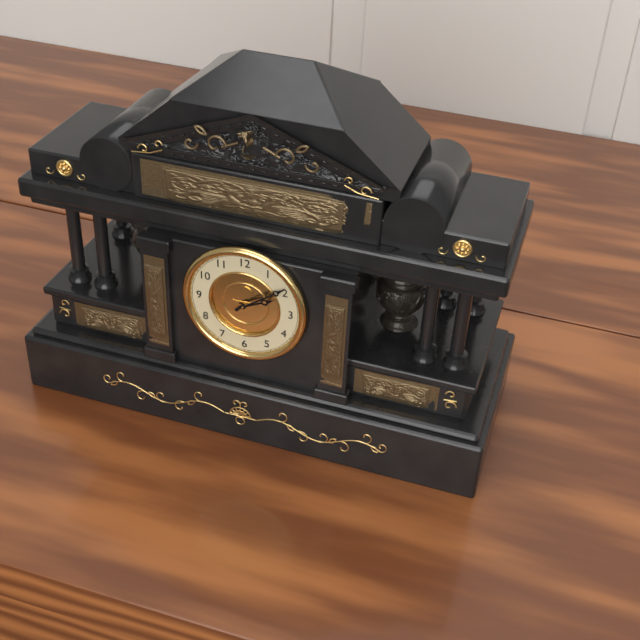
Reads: h=2 m=9
